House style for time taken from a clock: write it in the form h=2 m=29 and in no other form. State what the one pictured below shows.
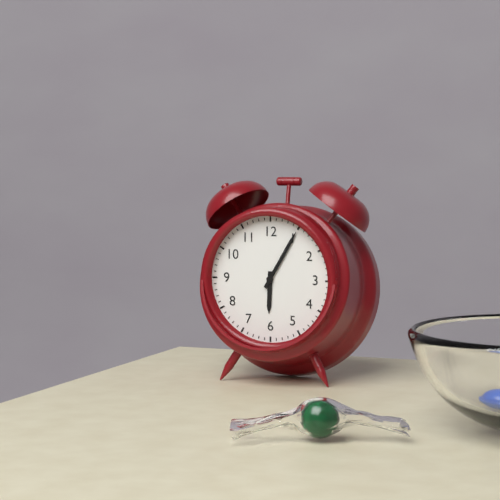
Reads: h=6 m=5
